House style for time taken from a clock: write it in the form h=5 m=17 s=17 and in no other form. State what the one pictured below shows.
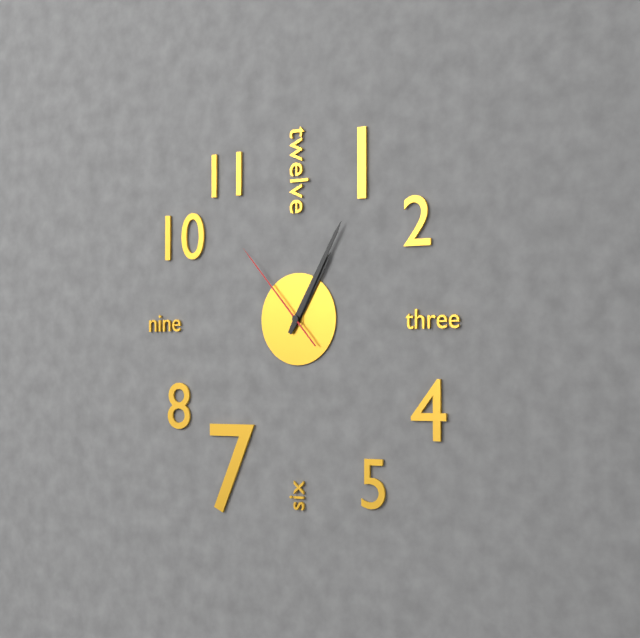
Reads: h=1 m=5 s=53
